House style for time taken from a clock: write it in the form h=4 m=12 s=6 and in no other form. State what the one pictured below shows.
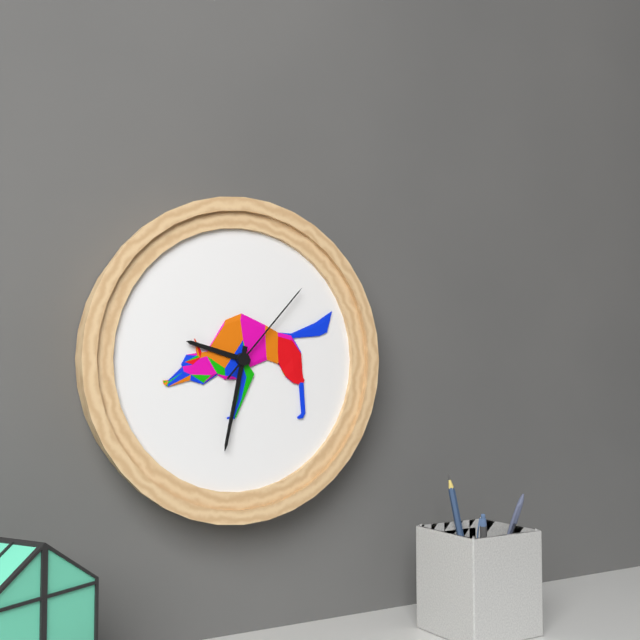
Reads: h=9 m=32 s=7
